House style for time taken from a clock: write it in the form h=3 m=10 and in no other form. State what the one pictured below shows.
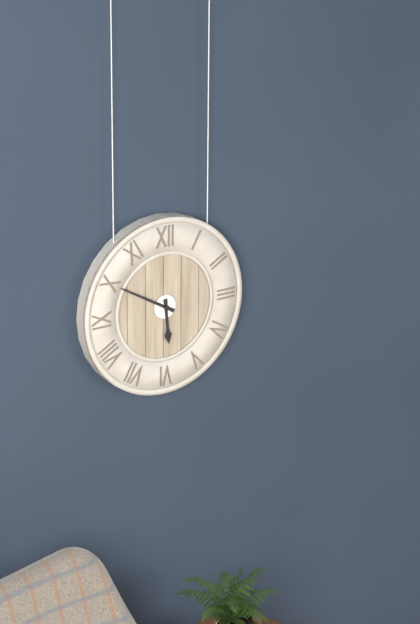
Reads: h=5 m=50
